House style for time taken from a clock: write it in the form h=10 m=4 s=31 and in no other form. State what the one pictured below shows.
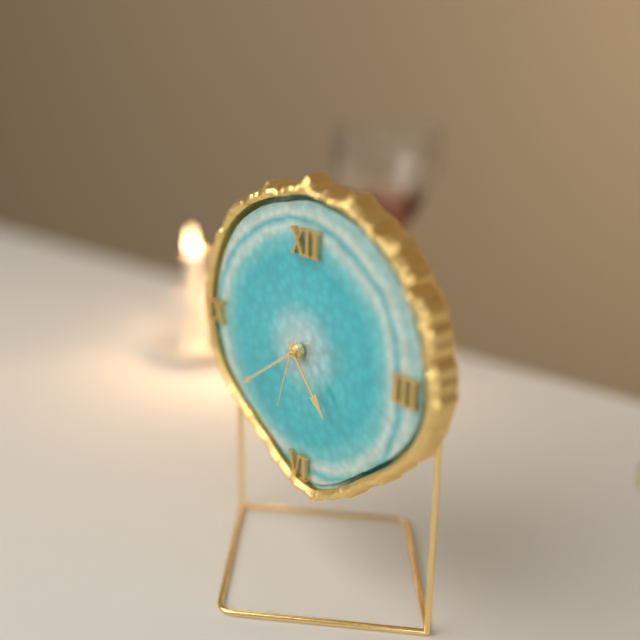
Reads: h=4 m=39 s=33
